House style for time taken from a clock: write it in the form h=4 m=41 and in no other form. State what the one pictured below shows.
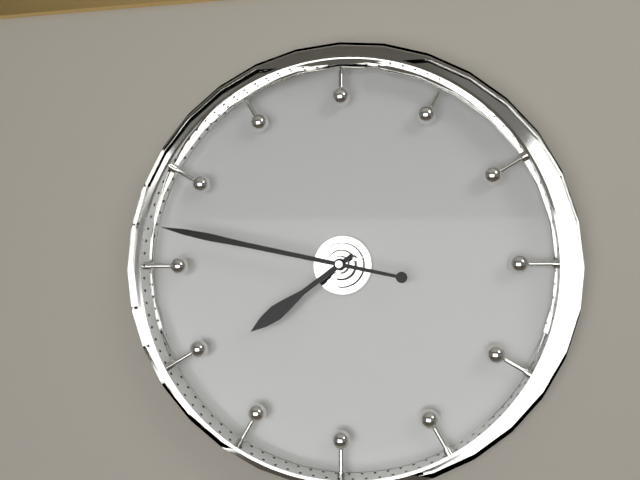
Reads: h=7 m=47
